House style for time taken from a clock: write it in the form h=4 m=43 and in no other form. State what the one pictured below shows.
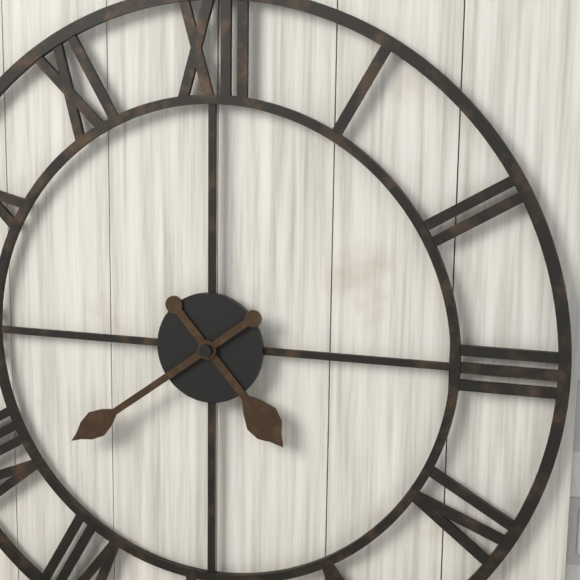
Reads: h=4 m=39
